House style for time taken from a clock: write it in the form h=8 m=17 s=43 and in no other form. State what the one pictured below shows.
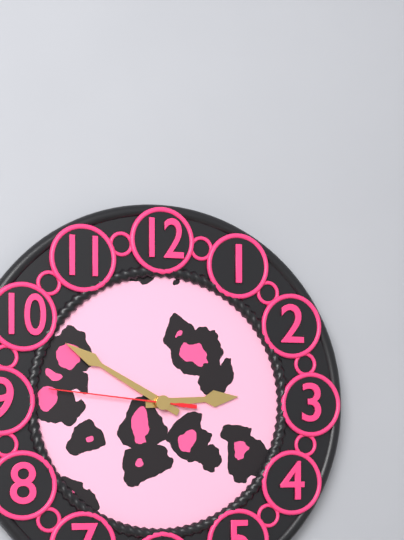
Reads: h=2 m=50 s=46
